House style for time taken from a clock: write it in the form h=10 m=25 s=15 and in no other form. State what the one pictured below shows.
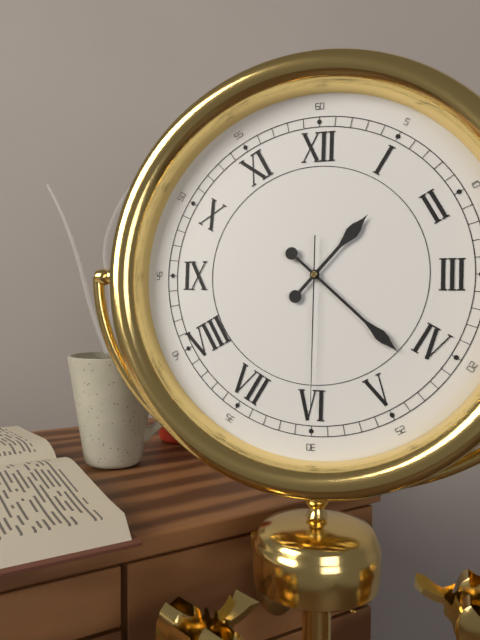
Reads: h=1 m=22 s=30
